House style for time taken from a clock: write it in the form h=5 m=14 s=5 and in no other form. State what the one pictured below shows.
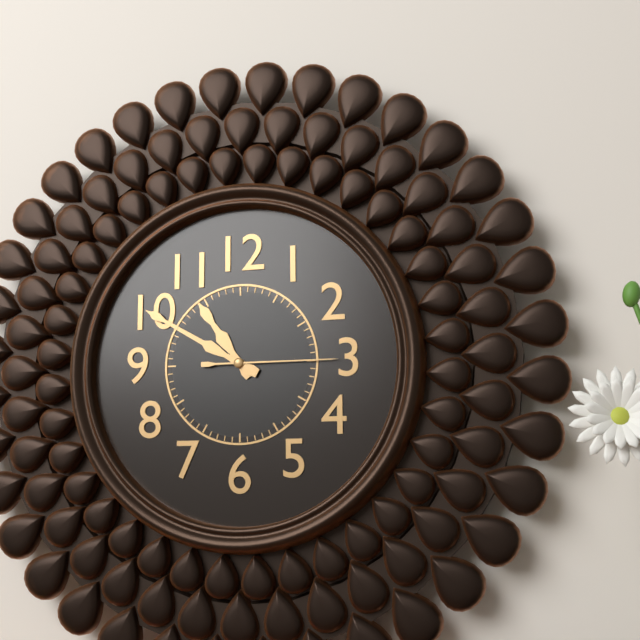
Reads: h=10 m=50 s=15
